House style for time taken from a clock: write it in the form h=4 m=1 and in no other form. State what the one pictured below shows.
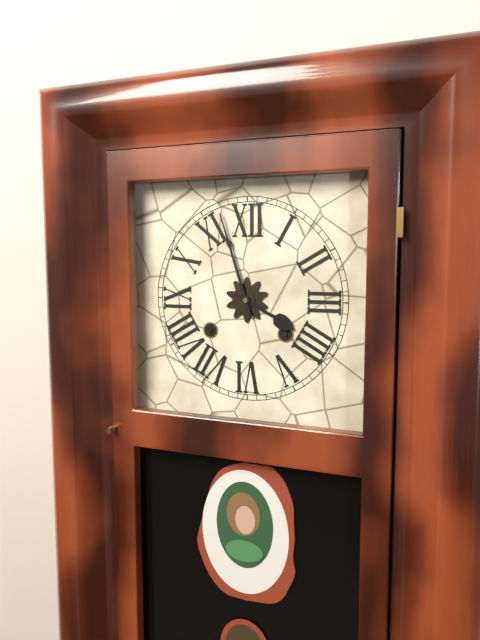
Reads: h=3 m=57
